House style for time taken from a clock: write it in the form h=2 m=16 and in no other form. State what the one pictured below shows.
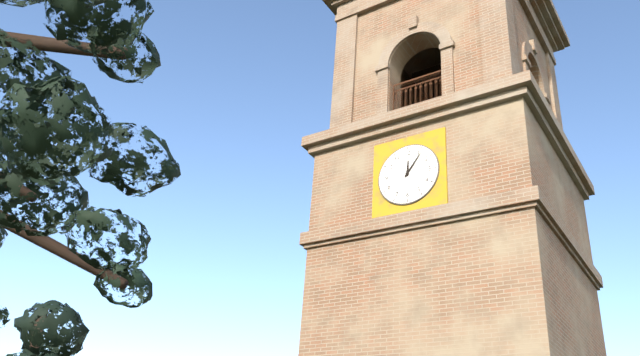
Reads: h=12 m=6
